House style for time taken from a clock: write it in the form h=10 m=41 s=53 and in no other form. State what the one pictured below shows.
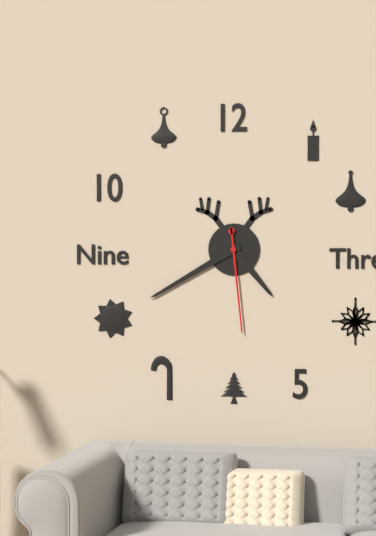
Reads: h=4 m=40 s=29
